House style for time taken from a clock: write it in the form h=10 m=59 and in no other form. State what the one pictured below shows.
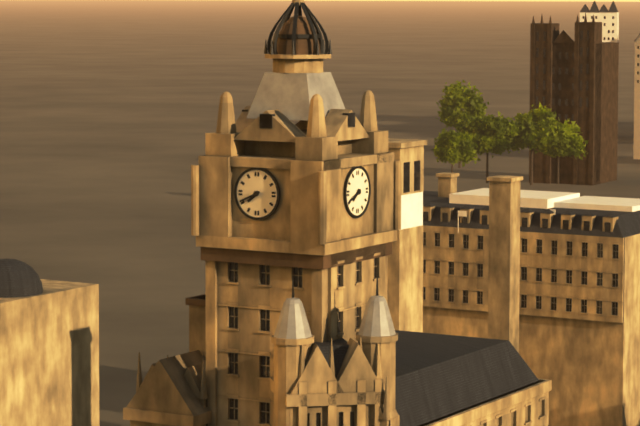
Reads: h=7 m=41
